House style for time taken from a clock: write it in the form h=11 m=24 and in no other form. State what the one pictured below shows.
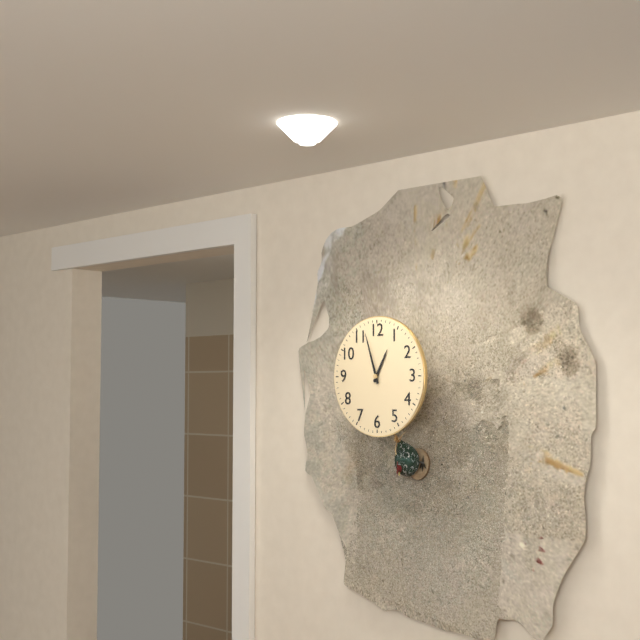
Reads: h=12 m=57
